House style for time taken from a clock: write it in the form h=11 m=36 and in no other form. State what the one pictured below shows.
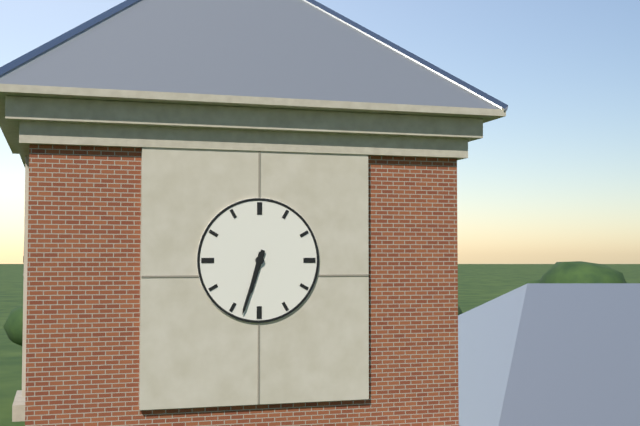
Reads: h=6 m=33
